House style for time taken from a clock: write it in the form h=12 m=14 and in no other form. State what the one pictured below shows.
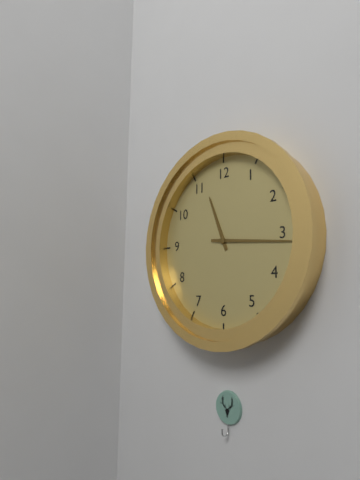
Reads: h=11 m=16
